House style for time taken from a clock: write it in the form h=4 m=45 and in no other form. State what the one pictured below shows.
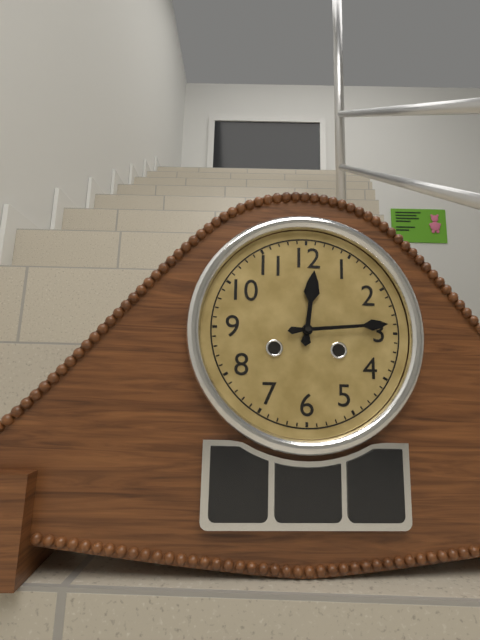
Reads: h=12 m=14
